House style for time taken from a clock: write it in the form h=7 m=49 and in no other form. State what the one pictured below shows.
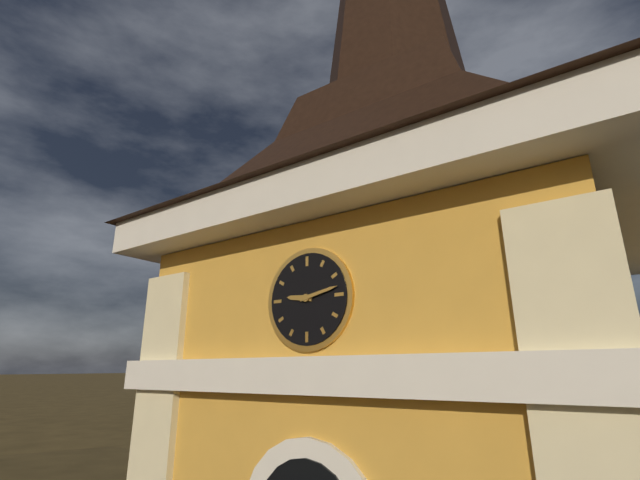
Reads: h=9 m=13
